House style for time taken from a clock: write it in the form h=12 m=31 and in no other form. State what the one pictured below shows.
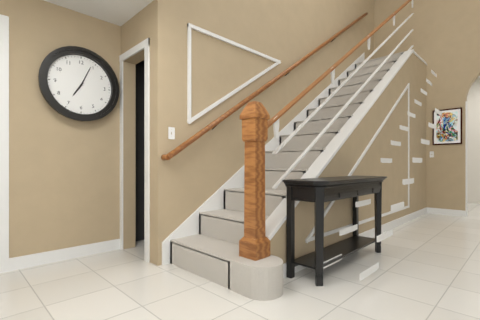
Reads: h=7 m=4
